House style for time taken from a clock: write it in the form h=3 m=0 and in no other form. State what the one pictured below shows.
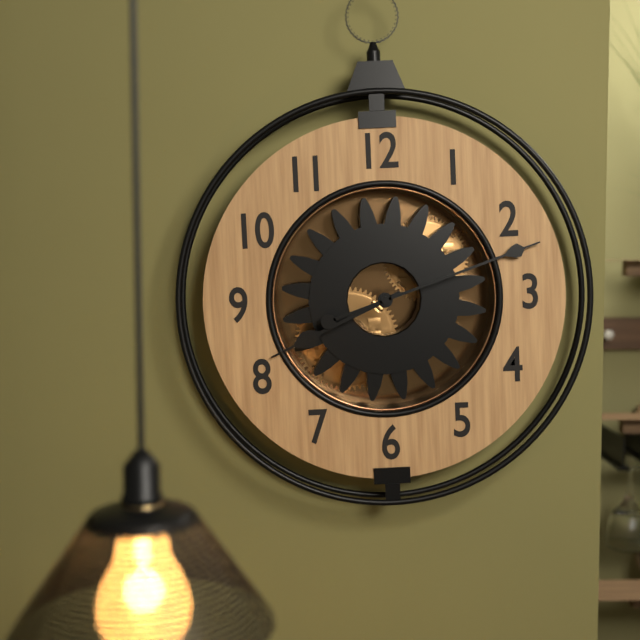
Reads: h=8 m=12
